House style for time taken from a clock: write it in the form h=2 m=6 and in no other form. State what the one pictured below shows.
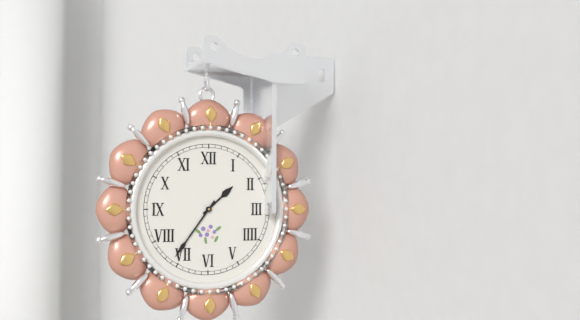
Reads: h=1 m=36
